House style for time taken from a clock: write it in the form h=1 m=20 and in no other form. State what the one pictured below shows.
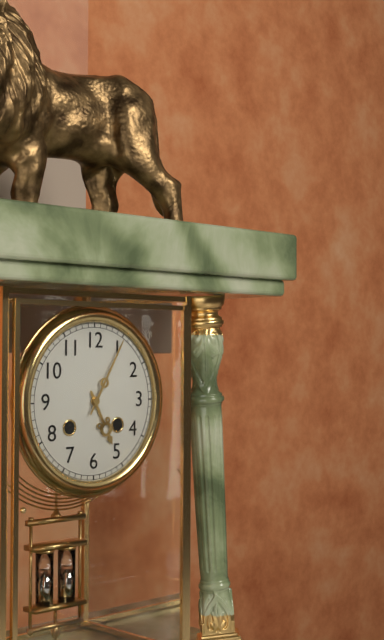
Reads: h=5 m=5
